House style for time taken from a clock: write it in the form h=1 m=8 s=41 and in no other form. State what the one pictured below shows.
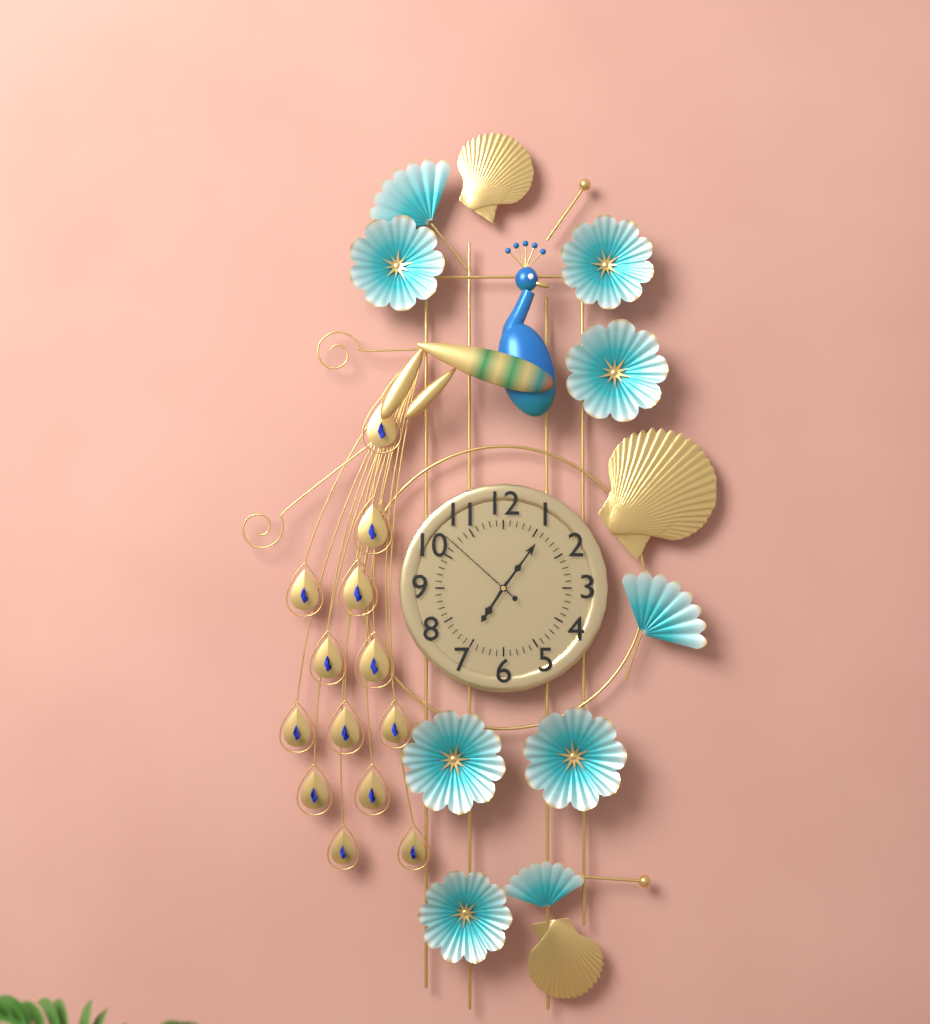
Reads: h=7 m=6 s=52
